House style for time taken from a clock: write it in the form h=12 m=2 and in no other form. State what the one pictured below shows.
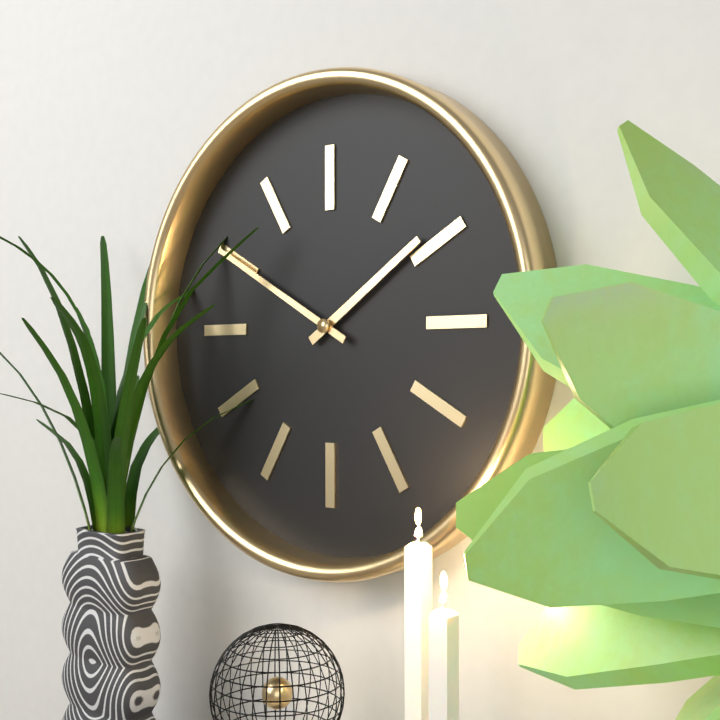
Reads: h=1 m=50
